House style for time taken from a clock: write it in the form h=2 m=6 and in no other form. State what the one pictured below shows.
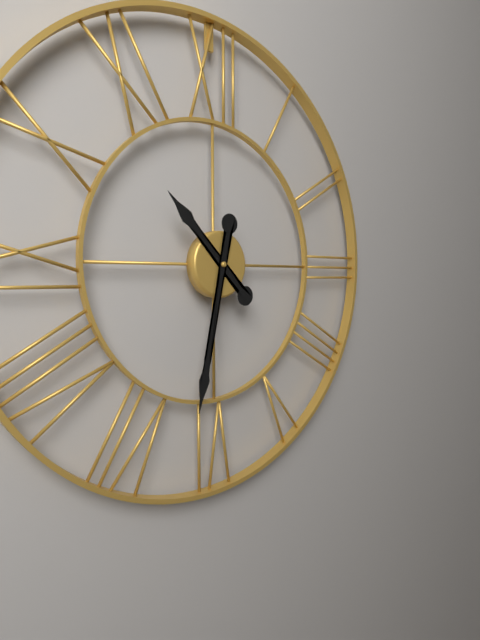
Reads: h=10 m=32
